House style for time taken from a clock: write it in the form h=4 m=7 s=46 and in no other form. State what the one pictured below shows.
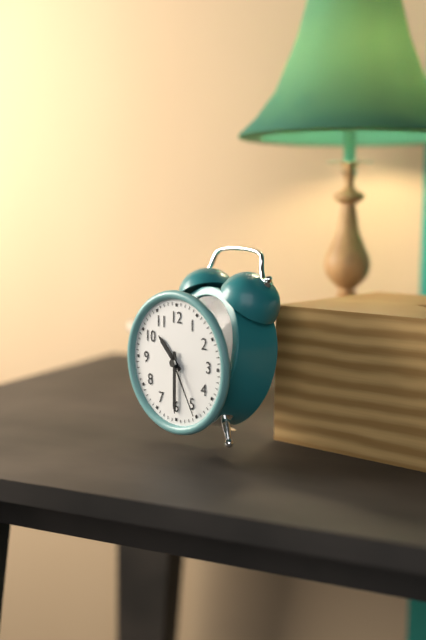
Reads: h=10 m=30 s=25
